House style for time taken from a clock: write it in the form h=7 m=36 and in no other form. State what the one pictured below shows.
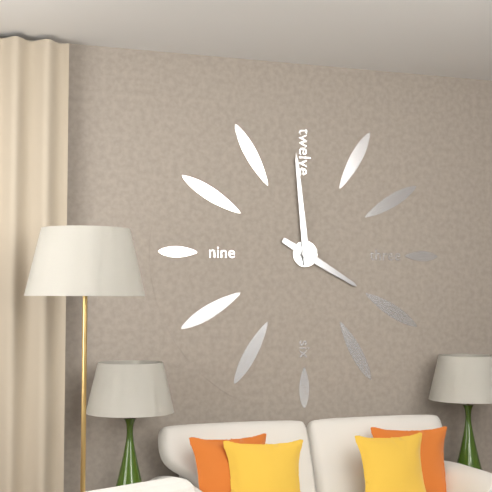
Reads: h=3 m=59
